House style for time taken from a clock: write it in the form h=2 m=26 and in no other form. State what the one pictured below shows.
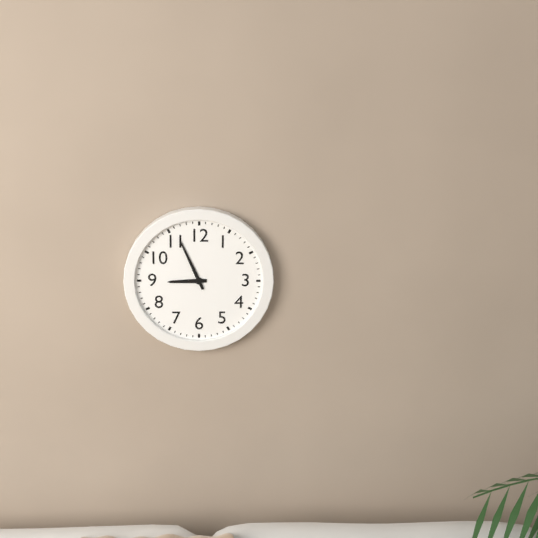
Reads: h=8 m=56
